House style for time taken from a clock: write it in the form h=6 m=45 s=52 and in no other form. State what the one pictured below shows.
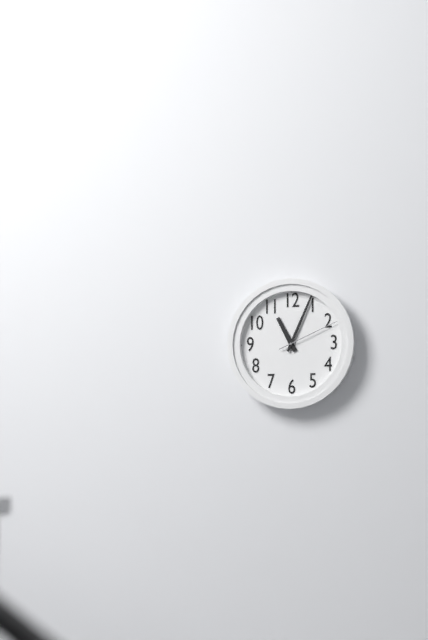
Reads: h=11 m=4 s=11
